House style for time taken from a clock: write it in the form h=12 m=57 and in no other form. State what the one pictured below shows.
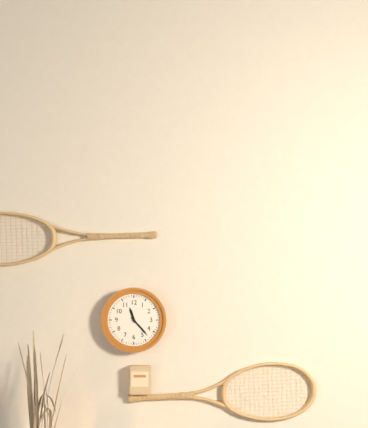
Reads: h=11 m=23
